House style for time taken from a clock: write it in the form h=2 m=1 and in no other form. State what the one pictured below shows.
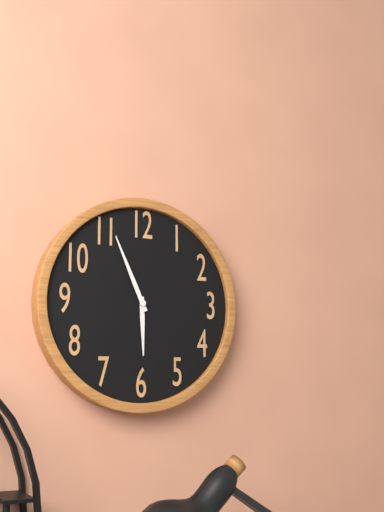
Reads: h=5 m=56
